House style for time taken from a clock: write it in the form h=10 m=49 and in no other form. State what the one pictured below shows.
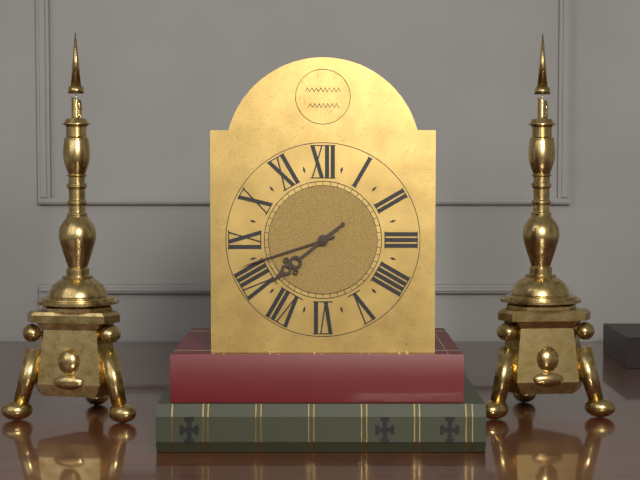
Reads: h=7 m=42
